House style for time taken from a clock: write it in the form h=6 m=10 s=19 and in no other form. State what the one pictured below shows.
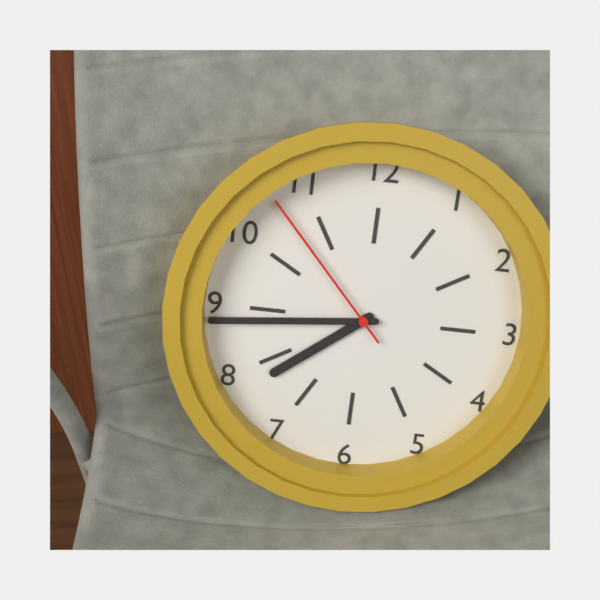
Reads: h=7 m=44 s=53
